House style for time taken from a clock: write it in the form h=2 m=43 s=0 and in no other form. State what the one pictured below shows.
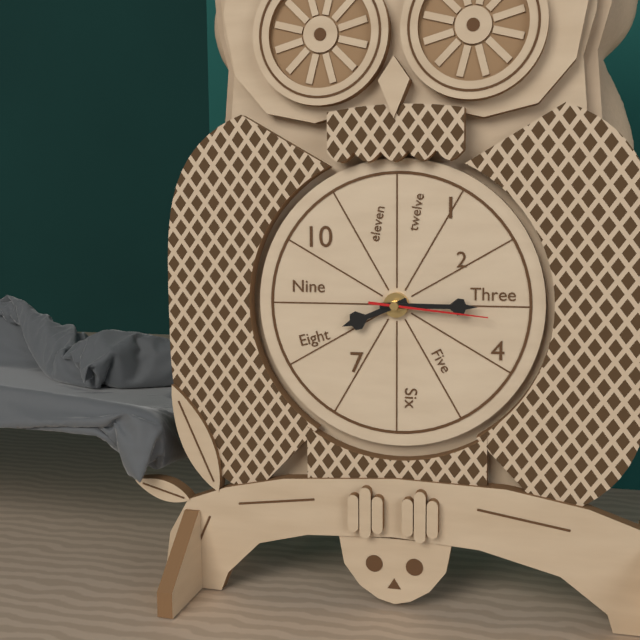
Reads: h=8 m=15 s=16
